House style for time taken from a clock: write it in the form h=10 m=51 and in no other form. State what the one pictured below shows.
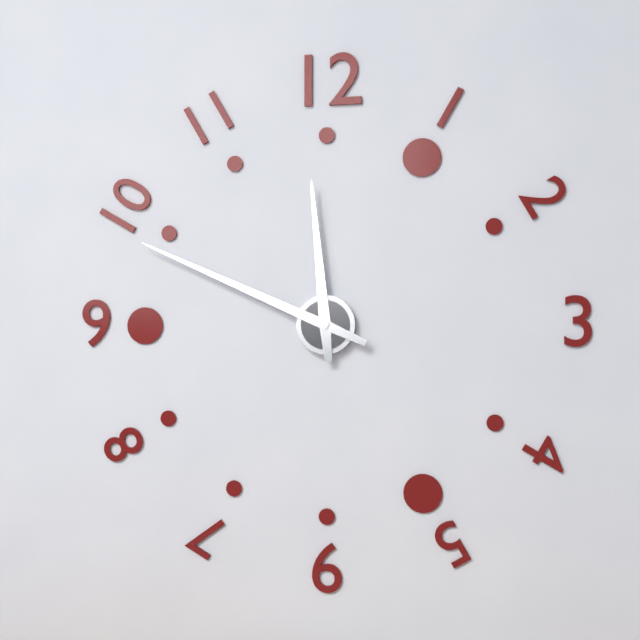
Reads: h=11 m=49
